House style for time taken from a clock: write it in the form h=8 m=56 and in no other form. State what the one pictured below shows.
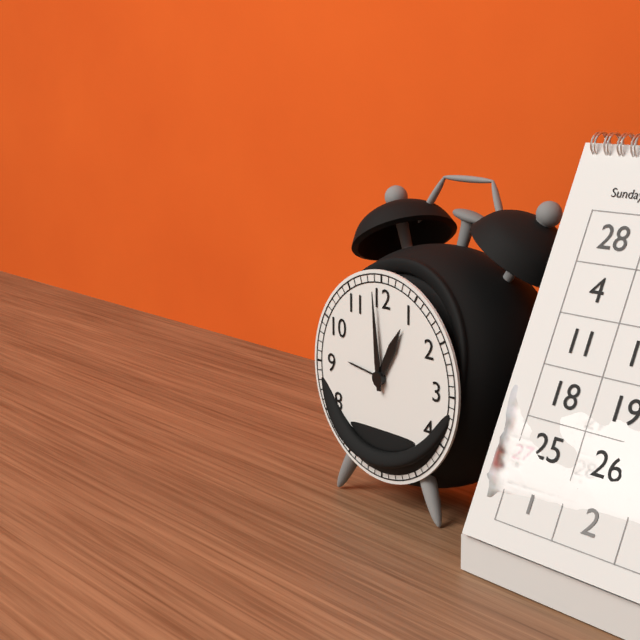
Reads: h=12 m=59
